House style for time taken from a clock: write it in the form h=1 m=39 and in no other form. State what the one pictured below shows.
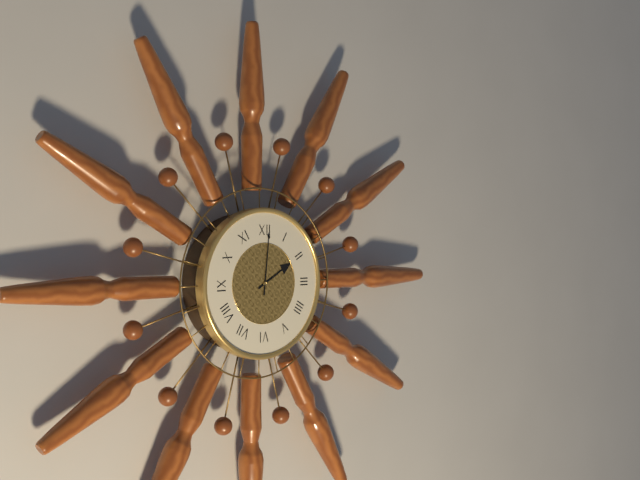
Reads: h=2 m=1
